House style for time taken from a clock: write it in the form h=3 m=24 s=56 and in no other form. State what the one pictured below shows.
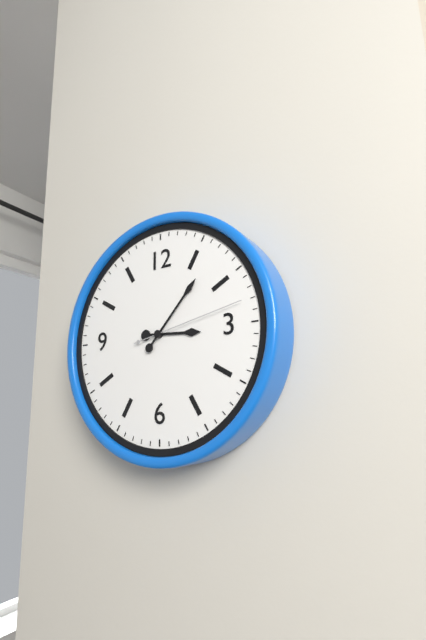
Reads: h=3 m=7 s=13
